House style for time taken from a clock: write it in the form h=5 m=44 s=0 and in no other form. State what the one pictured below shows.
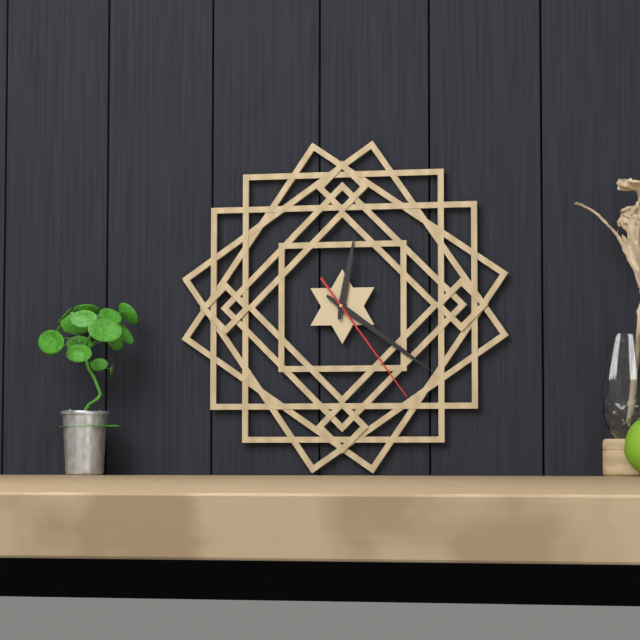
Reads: h=12 m=21 s=24
